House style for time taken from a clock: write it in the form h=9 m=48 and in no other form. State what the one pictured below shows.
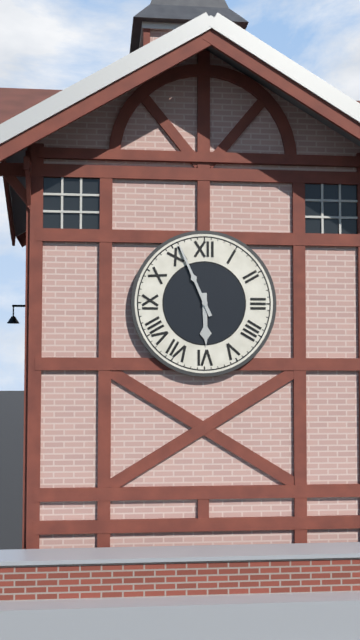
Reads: h=5 m=56
